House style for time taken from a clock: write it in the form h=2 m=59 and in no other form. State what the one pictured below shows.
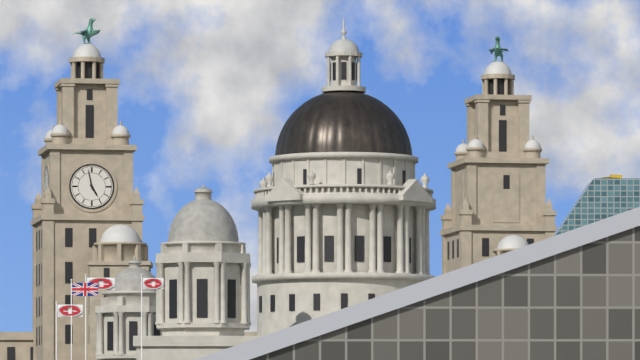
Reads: h=4 m=58
